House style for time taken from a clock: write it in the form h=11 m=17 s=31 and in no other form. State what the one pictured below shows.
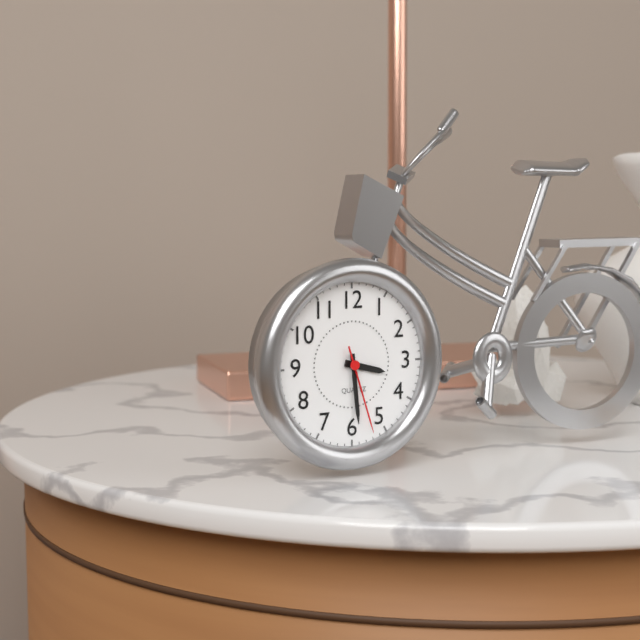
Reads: h=3 m=29 s=27
